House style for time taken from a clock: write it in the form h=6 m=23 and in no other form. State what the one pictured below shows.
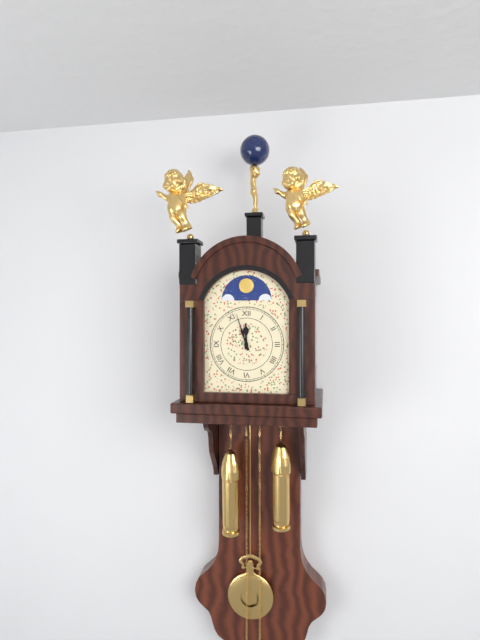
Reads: h=11 m=57
